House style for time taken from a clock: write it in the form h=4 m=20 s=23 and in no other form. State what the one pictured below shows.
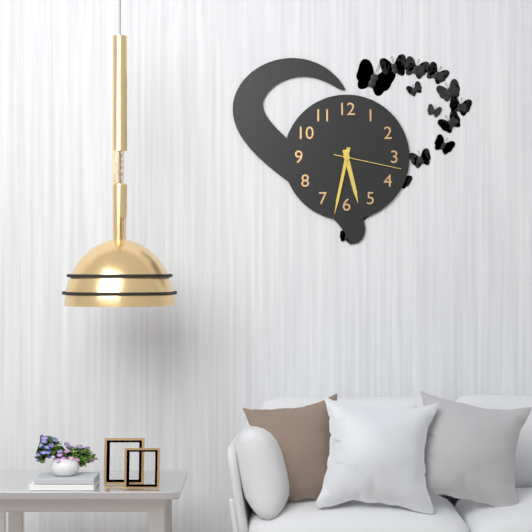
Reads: h=5 m=32 s=17
